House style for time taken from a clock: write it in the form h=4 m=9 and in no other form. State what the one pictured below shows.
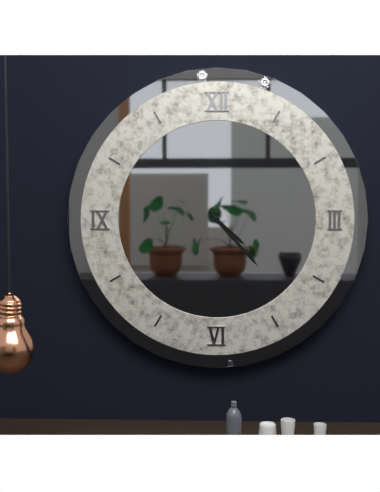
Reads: h=4 m=23
